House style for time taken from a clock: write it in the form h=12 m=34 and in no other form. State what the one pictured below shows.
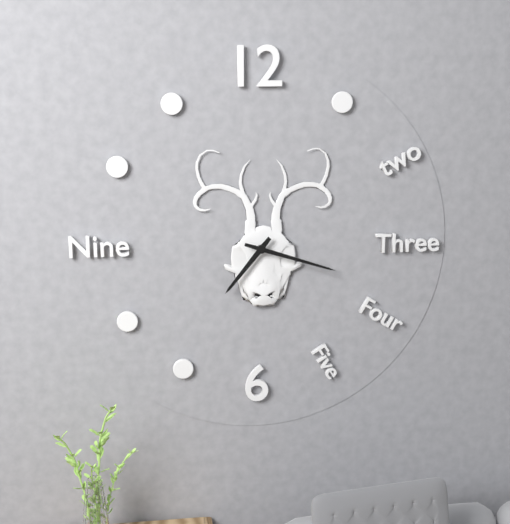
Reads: h=7 m=18
